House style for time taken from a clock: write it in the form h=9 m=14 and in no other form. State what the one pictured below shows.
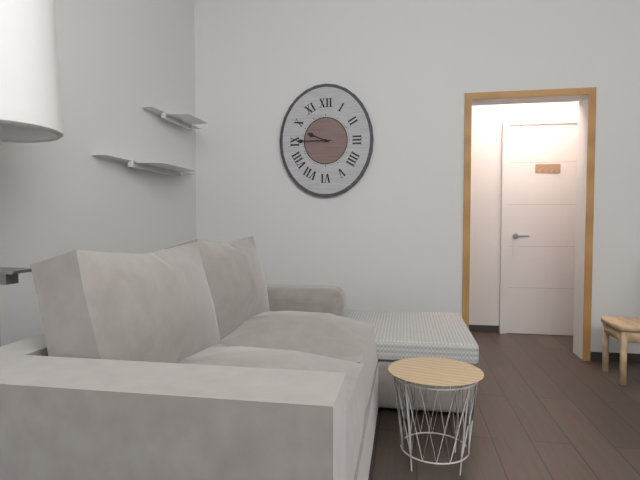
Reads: h=9 m=45
